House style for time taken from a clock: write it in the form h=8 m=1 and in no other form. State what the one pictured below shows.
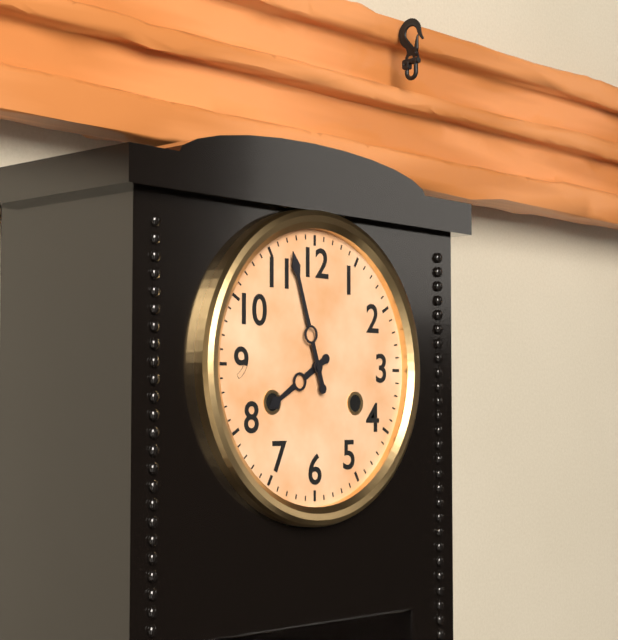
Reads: h=7 m=57
